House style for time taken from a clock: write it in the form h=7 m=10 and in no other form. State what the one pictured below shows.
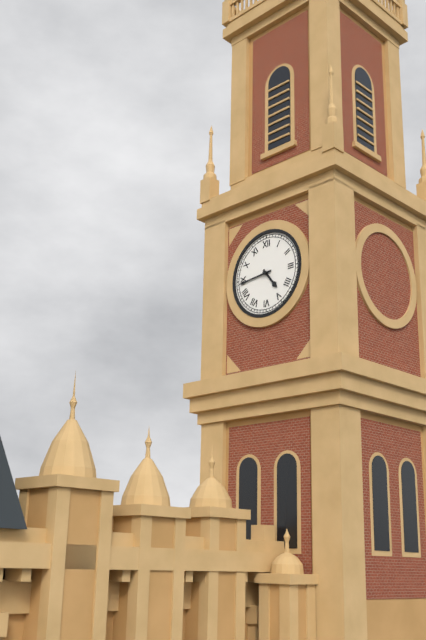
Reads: h=4 m=44
